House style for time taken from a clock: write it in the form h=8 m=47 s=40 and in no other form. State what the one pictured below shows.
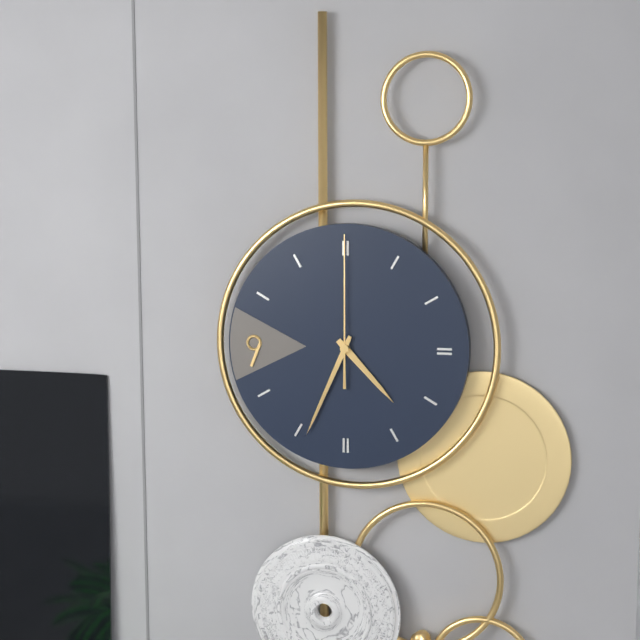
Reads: h=4 m=34 s=0
